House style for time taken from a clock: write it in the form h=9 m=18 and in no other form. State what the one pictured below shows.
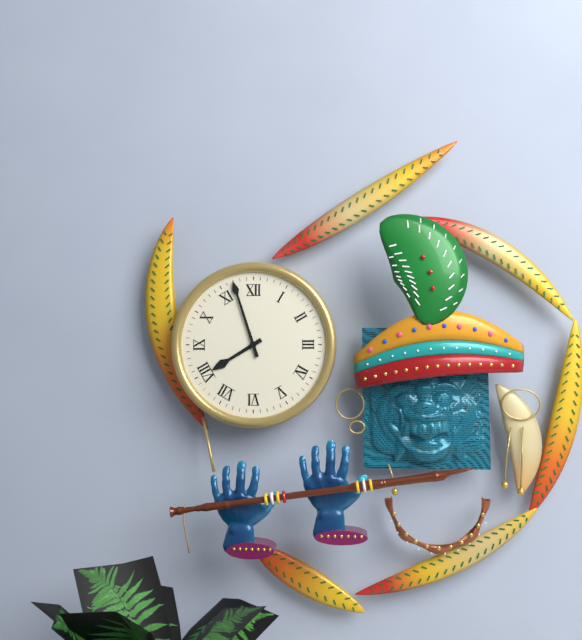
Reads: h=7 m=57
